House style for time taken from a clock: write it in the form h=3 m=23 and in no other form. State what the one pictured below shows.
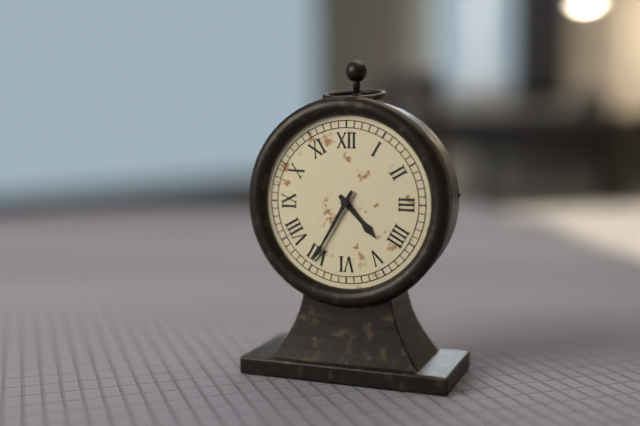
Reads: h=4 m=35
